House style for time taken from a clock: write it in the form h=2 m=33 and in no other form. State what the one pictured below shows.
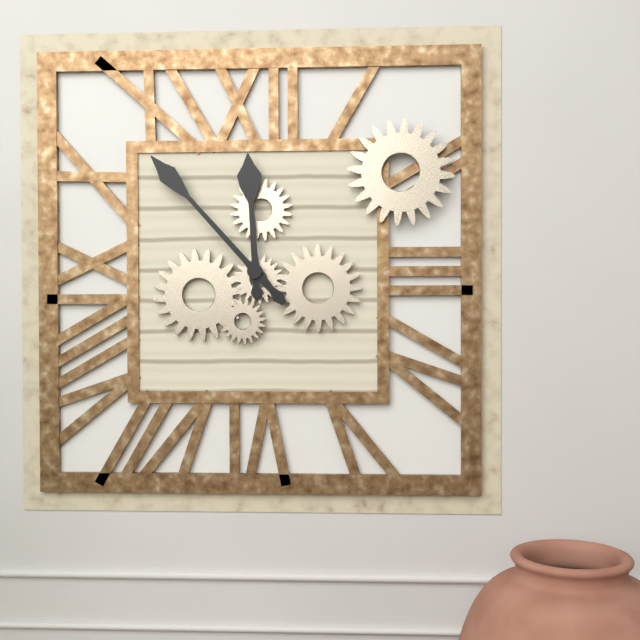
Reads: h=11 m=53
